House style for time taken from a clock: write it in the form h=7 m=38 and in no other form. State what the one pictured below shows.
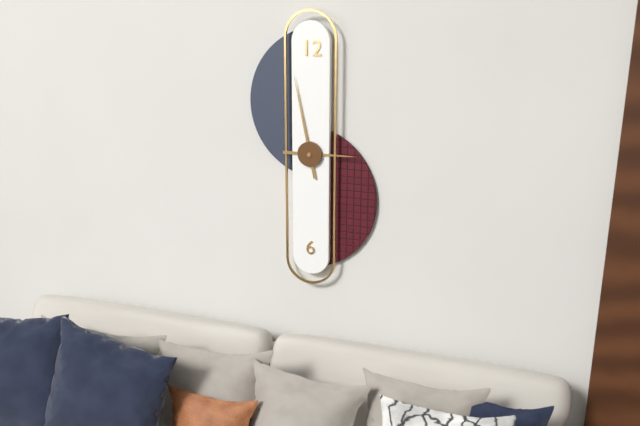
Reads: h=2 m=58
